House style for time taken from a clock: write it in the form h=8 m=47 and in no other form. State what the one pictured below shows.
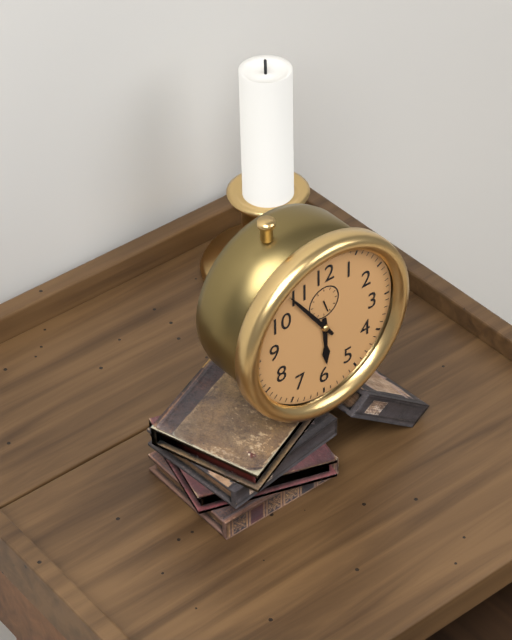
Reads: h=5 m=54
